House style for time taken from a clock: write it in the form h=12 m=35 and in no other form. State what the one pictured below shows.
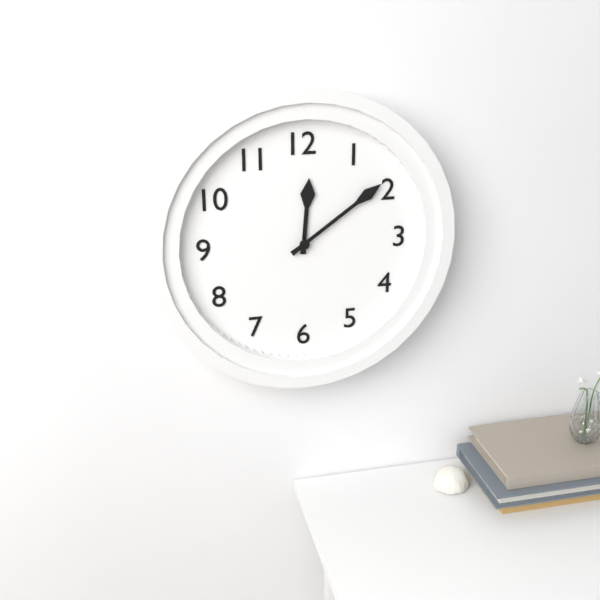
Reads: h=12 m=9
